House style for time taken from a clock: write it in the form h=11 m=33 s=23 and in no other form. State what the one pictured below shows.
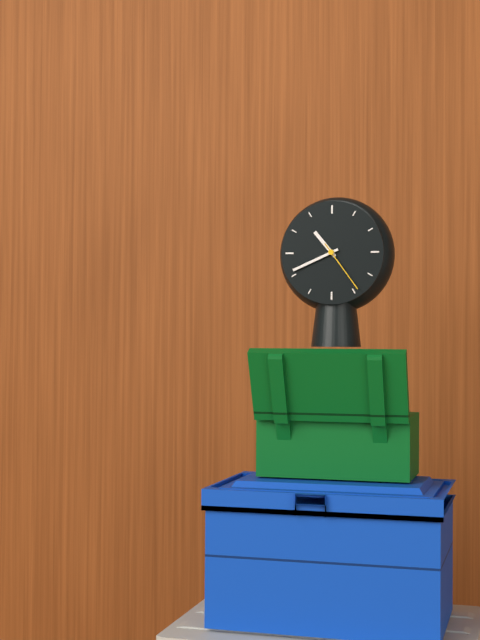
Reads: h=10 m=41 s=24
